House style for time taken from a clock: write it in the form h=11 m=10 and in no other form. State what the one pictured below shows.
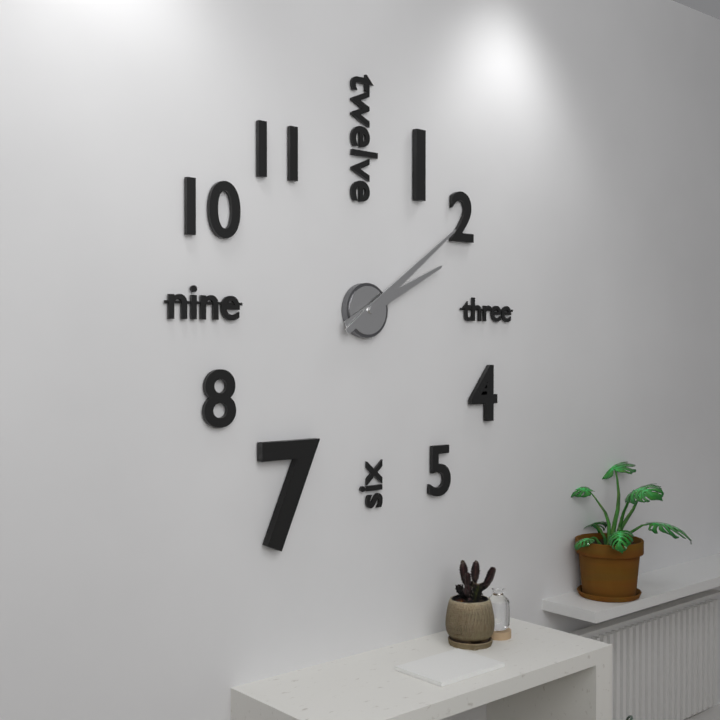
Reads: h=2 m=9
